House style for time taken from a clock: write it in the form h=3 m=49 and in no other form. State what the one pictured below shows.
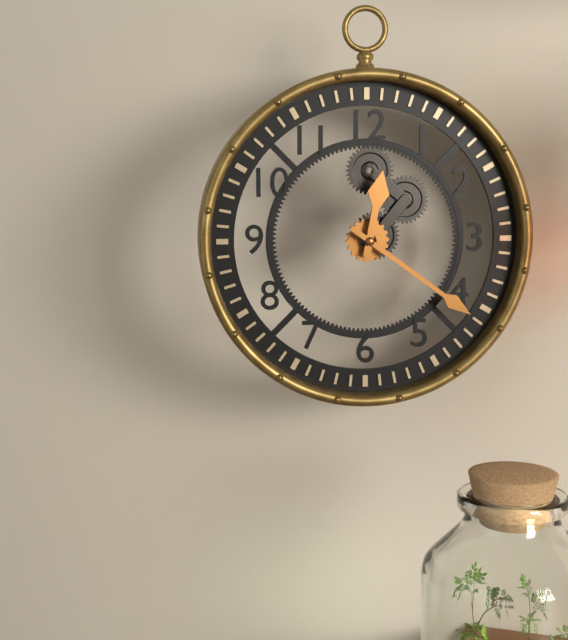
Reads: h=12 m=21
